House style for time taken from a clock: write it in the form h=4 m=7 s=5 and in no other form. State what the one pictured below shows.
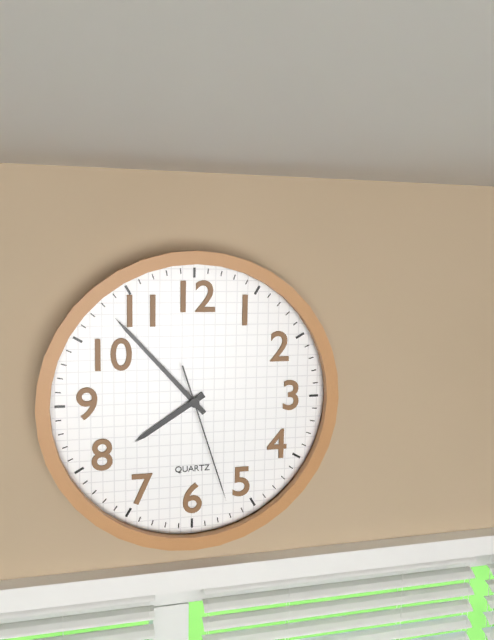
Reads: h=7 m=53 s=27
